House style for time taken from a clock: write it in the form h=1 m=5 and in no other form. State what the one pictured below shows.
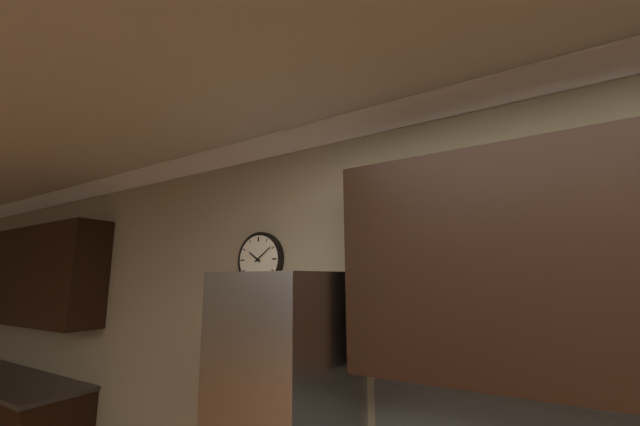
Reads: h=10 m=9
